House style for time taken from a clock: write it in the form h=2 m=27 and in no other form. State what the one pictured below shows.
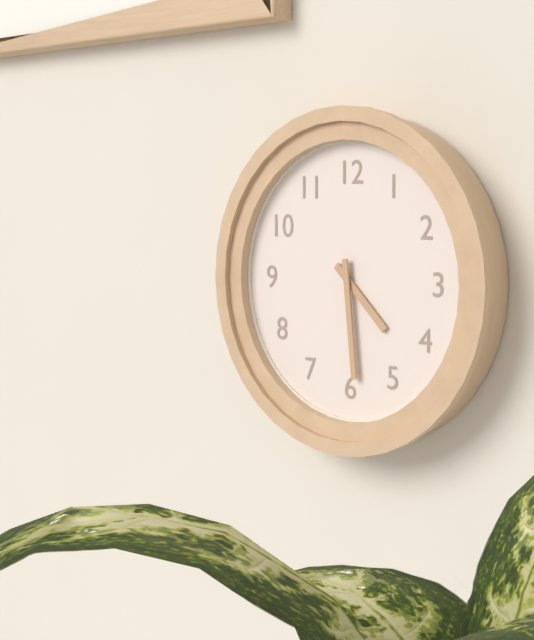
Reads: h=4 m=29
